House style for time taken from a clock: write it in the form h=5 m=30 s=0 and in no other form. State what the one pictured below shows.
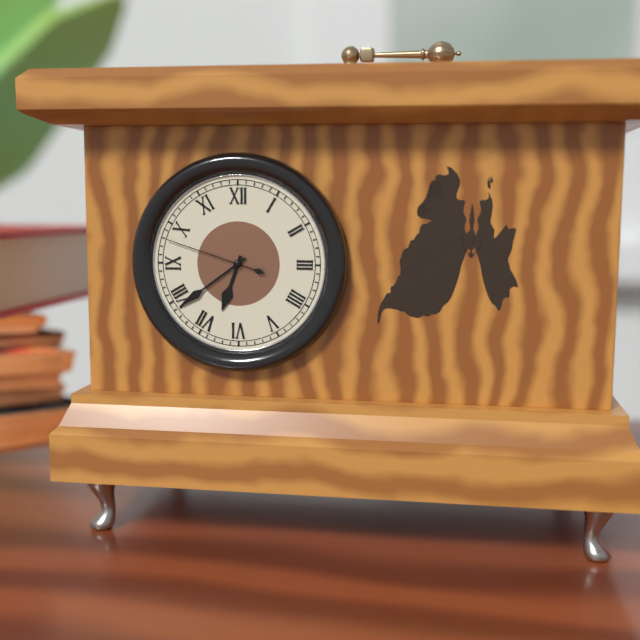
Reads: h=6 m=39 s=48
